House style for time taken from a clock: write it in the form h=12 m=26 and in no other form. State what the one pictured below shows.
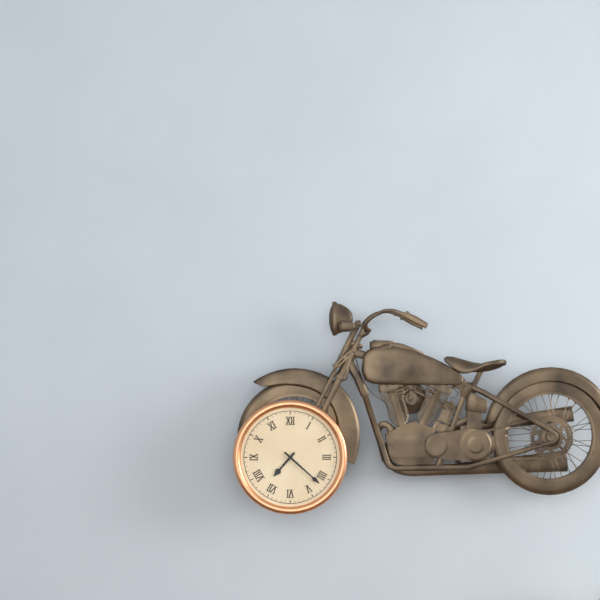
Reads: h=7 m=22
